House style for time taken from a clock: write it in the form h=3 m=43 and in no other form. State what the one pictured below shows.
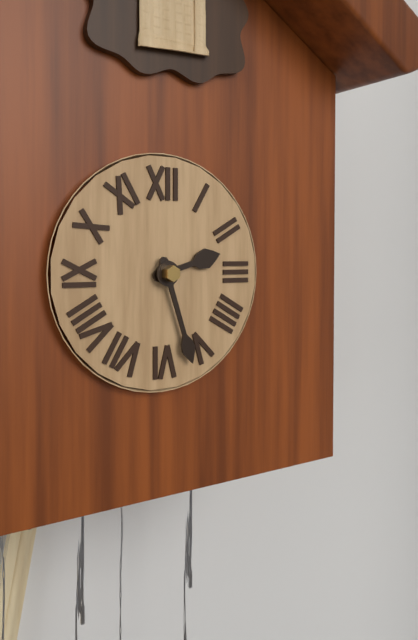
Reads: h=2 m=27
